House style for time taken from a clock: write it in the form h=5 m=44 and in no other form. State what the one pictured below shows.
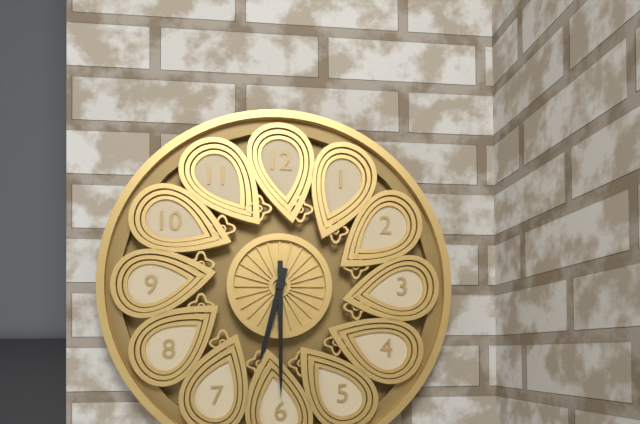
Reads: h=6 m=30
